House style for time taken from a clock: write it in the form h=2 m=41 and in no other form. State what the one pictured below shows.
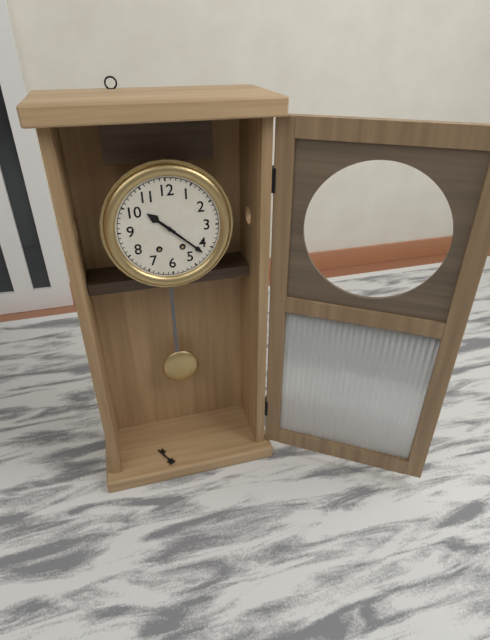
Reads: h=10 m=22
